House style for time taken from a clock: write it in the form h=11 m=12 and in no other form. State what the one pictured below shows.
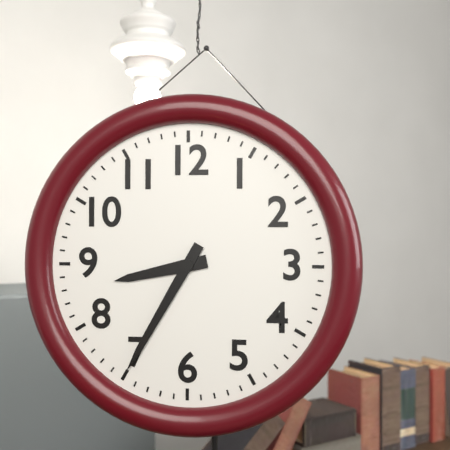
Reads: h=8 m=35
